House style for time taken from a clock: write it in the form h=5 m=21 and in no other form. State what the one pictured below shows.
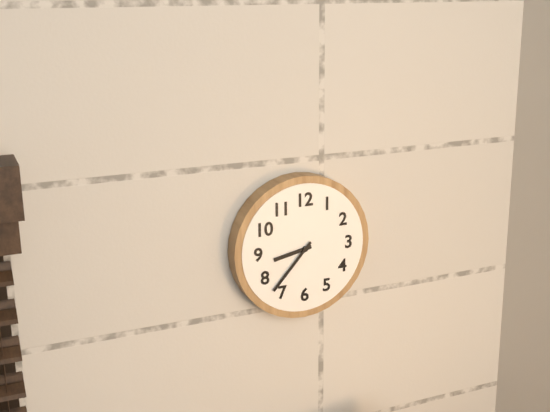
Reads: h=8 m=37
